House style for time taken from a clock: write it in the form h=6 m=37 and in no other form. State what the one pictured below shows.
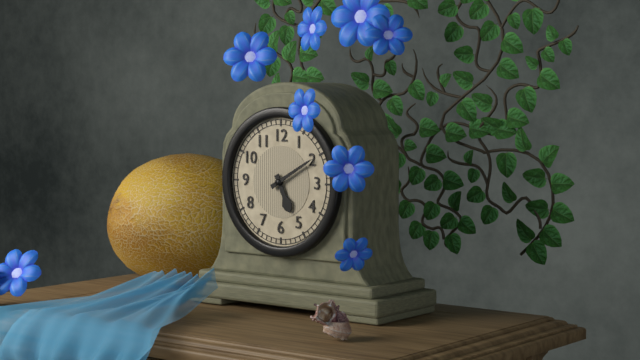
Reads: h=5 m=10
